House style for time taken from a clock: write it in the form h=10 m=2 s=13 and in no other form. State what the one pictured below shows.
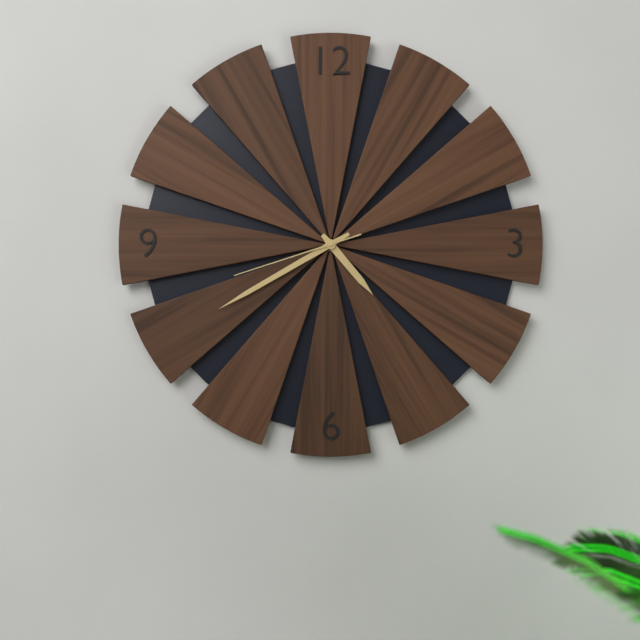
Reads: h=4 m=40 s=42
